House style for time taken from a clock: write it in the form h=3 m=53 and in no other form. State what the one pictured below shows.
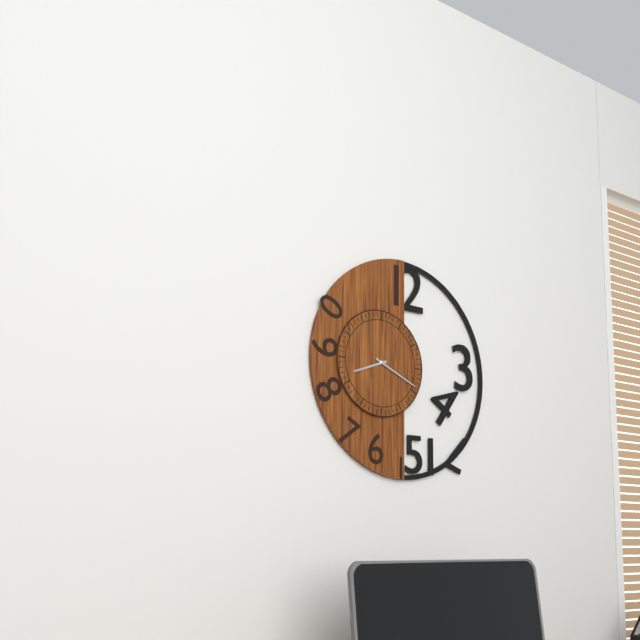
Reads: h=8 m=19
